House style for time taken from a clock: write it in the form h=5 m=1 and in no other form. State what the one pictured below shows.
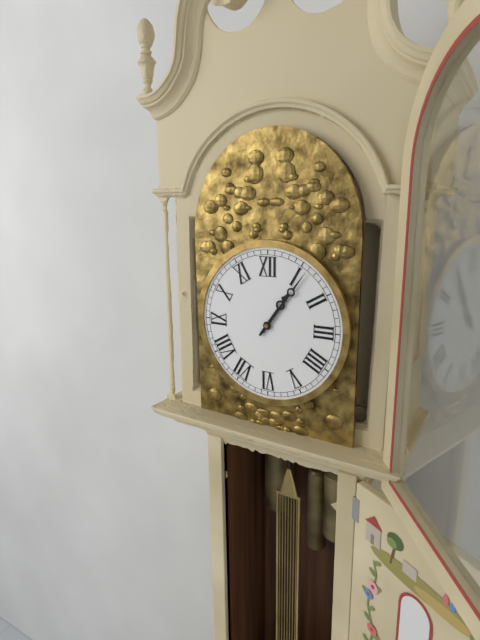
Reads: h=1 m=6
